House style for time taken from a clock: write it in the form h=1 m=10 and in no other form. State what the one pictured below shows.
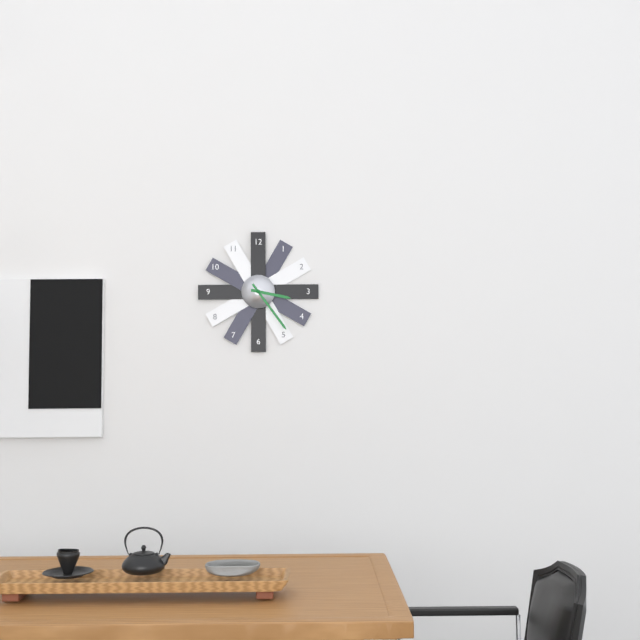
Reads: h=3 m=24
